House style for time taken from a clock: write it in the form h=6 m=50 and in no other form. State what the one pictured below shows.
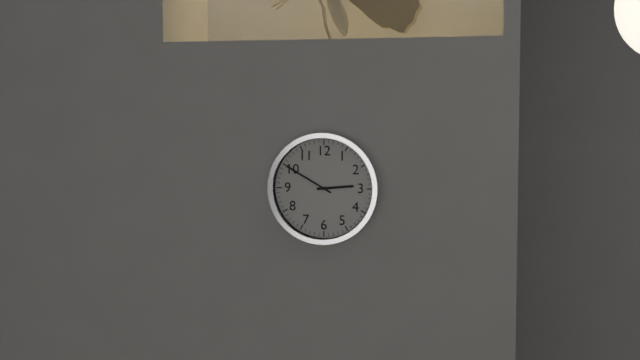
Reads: h=2 m=50
